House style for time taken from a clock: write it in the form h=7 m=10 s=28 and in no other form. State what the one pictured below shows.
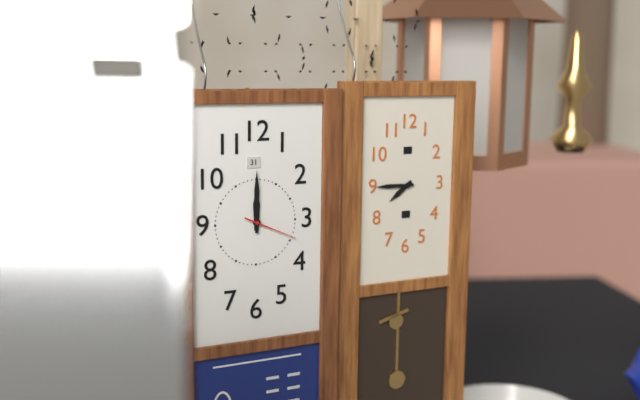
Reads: h=12 m=0 s=19
